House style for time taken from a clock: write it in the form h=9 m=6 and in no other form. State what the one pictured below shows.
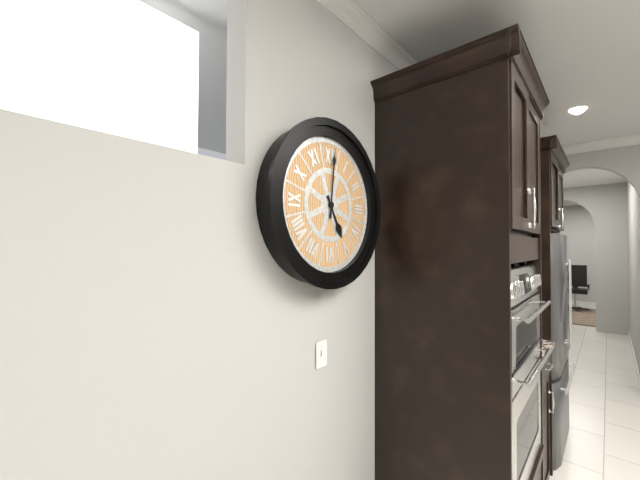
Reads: h=5 m=1
